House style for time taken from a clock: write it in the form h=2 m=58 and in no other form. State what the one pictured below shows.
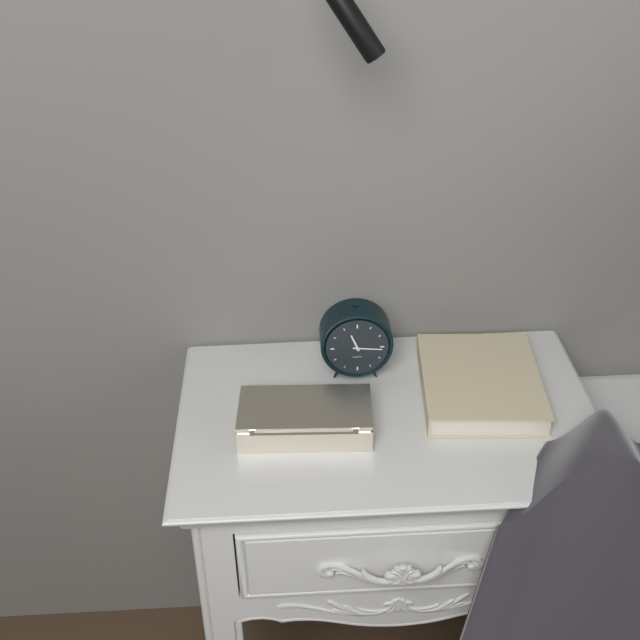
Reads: h=11 m=16
